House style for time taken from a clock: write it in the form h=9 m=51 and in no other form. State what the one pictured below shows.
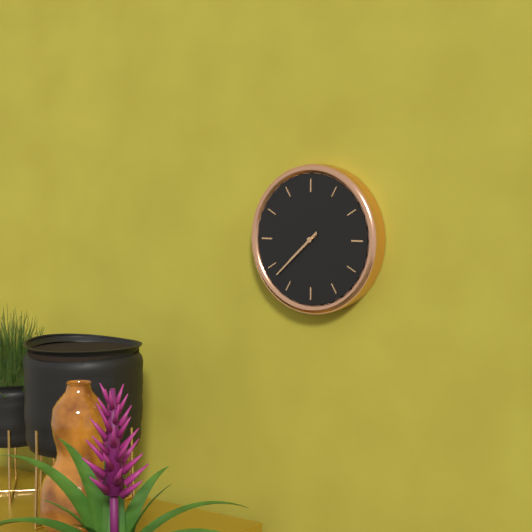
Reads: h=7 m=38
